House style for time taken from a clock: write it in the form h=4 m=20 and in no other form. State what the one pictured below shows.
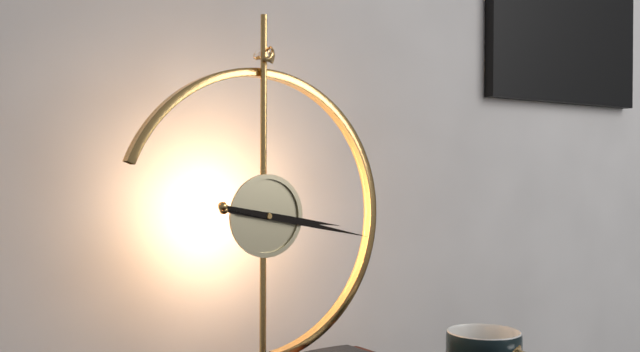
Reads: h=3 m=17
